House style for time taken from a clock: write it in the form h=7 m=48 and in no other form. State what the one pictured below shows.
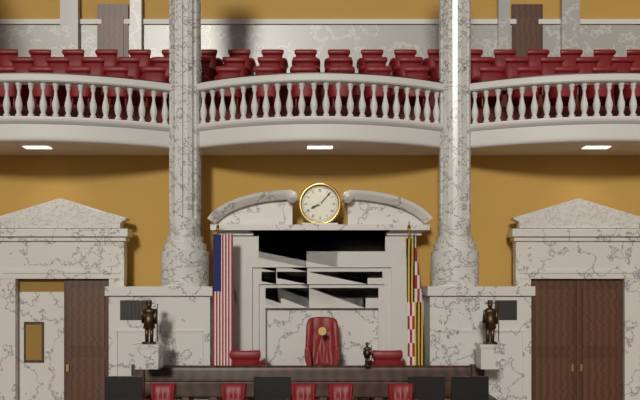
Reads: h=8 m=7
